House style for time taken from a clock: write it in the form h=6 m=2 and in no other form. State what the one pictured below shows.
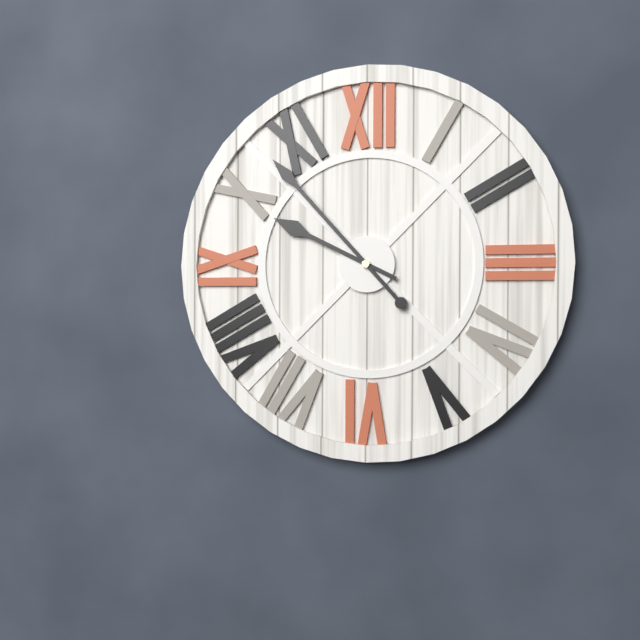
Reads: h=9 m=53
